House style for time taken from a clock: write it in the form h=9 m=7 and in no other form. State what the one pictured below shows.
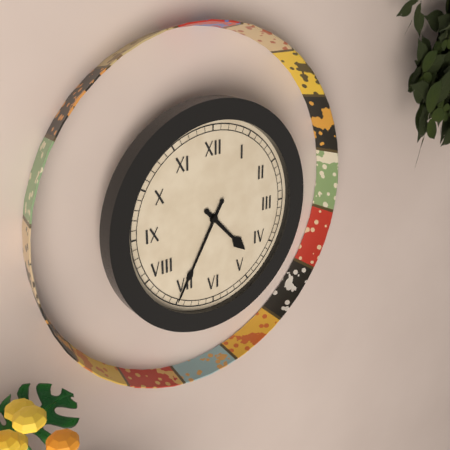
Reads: h=4 m=35
